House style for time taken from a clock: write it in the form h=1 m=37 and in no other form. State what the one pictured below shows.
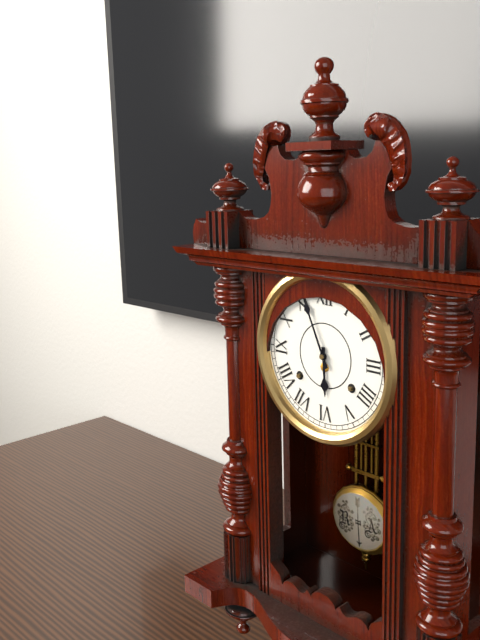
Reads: h=5 m=56
